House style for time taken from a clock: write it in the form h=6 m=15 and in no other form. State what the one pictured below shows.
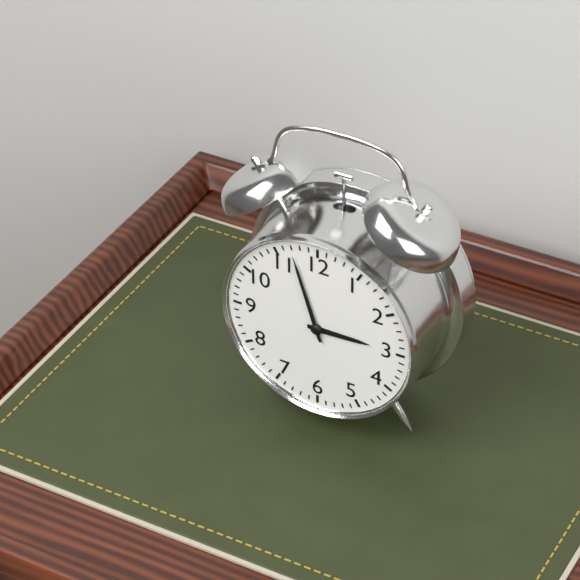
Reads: h=2 m=57
